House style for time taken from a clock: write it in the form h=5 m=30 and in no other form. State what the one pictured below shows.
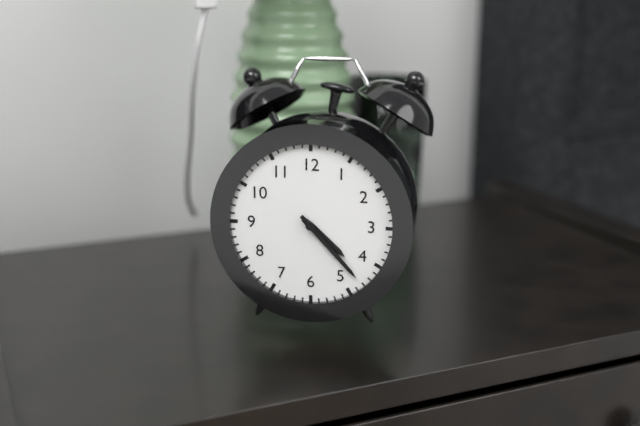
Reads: h=4 m=23
